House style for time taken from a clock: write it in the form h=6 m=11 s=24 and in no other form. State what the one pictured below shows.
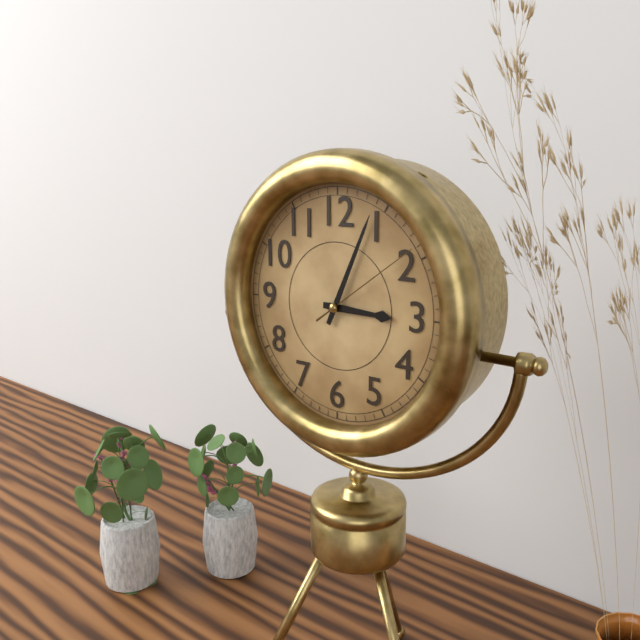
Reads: h=3 m=4 s=9
